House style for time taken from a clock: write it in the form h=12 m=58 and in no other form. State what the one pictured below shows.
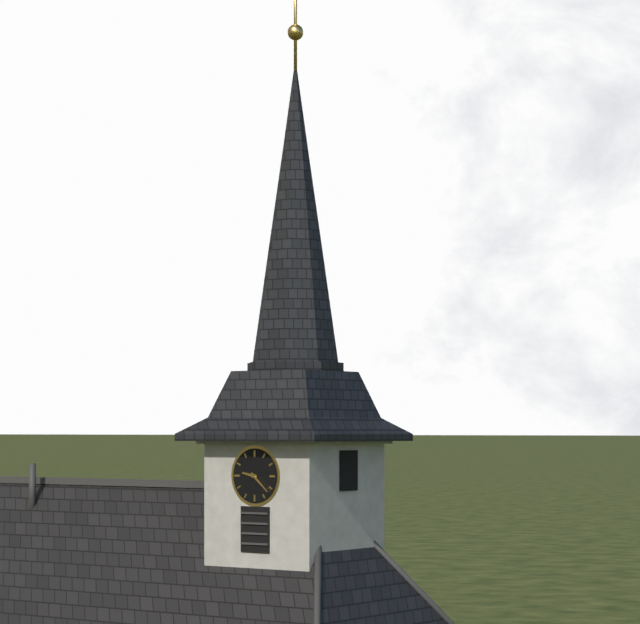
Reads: h=9 m=22
